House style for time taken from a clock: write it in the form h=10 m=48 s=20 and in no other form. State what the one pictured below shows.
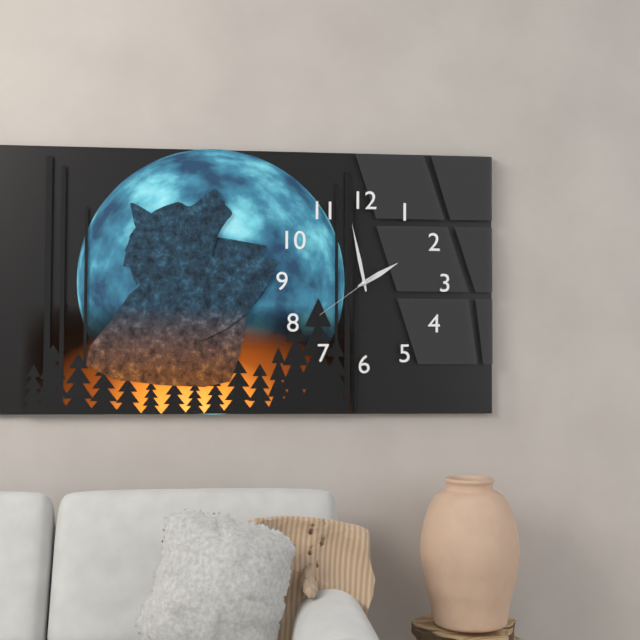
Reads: h=1 m=58 s=39
